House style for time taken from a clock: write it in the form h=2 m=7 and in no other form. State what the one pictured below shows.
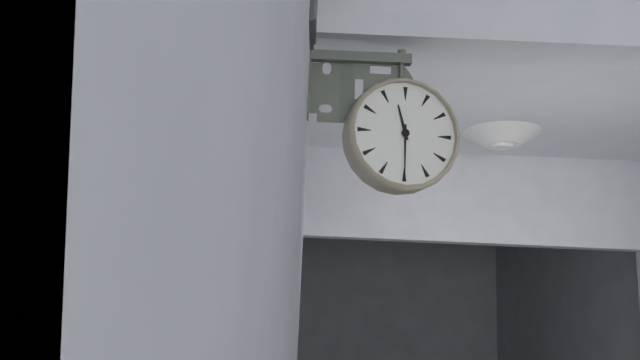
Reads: h=11 m=30
